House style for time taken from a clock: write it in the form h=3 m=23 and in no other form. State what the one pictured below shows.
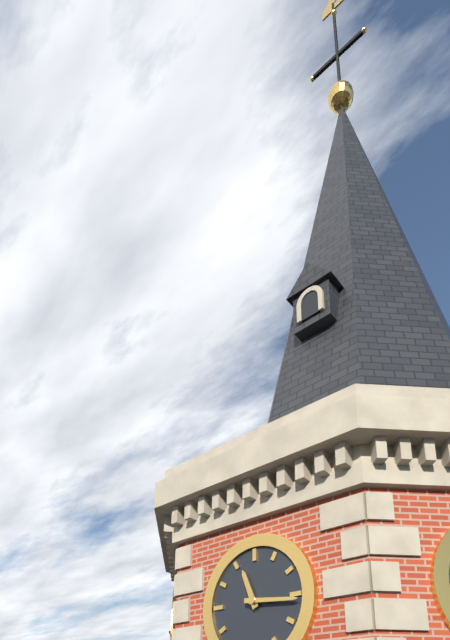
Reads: h=11 m=16
